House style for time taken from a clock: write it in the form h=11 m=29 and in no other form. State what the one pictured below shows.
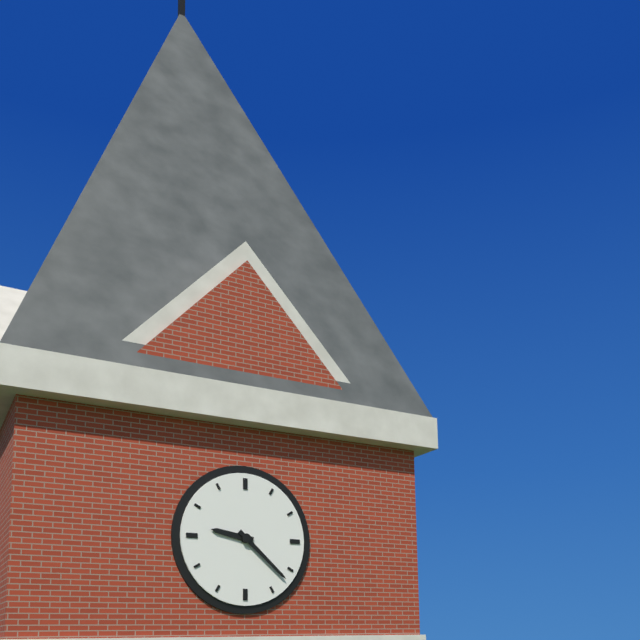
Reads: h=9 m=22
